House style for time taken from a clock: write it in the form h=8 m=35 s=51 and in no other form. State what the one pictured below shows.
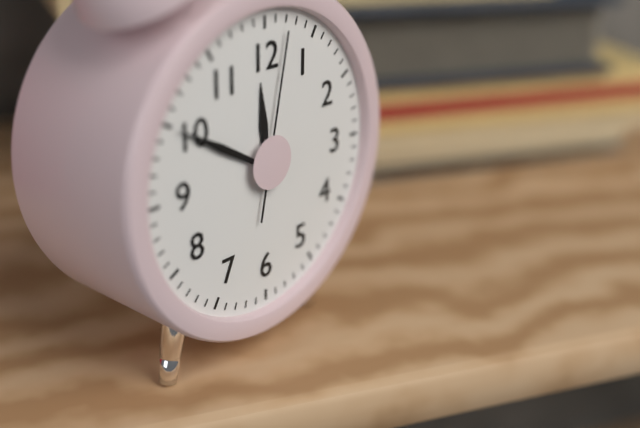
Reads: h=11 m=50 s=2
